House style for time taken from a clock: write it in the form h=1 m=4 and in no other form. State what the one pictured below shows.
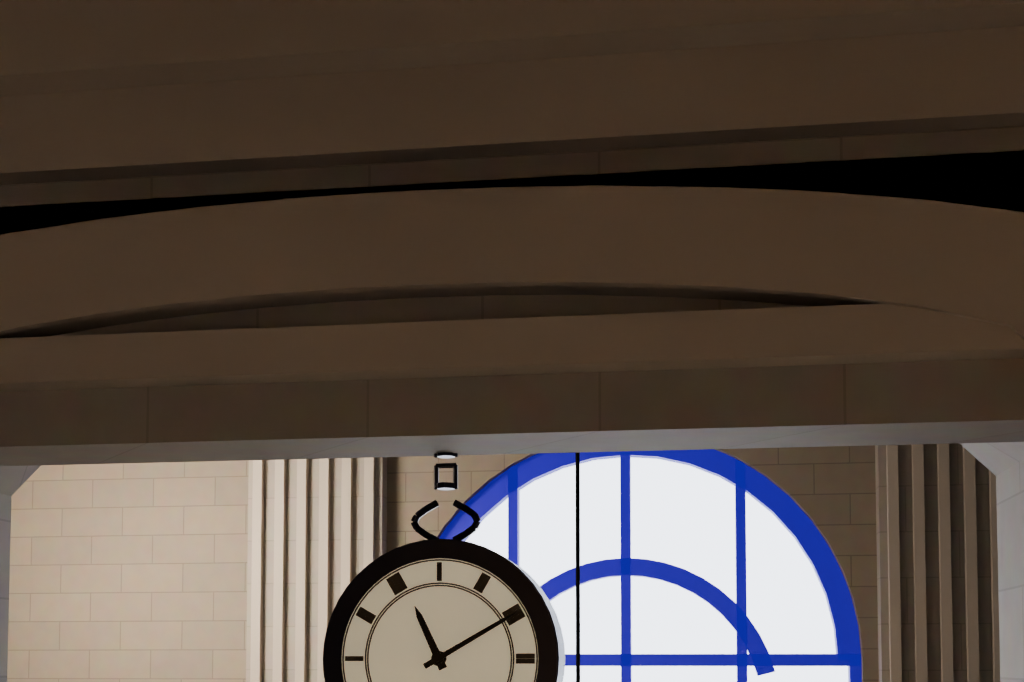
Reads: h=11 m=10
